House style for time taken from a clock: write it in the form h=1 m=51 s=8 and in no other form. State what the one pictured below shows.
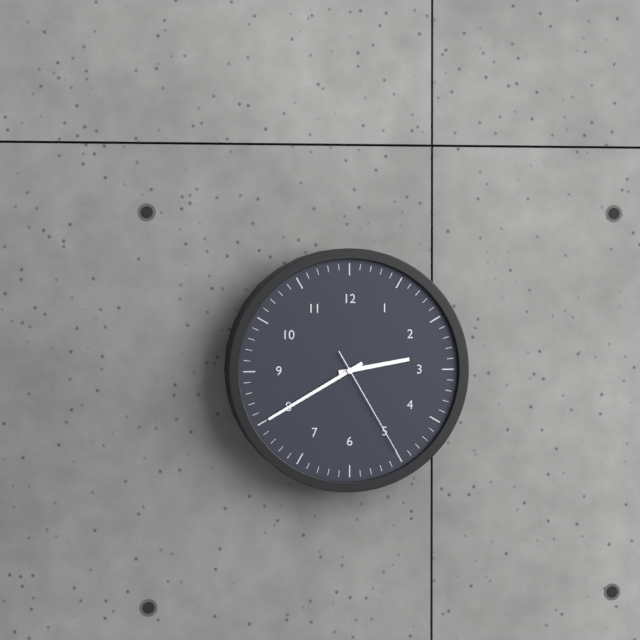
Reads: h=2 m=40 s=25
